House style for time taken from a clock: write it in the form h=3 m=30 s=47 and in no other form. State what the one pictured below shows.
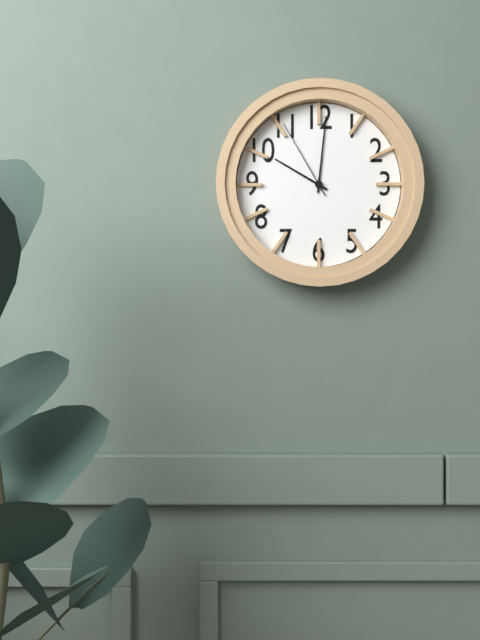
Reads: h=10 m=1 s=55
